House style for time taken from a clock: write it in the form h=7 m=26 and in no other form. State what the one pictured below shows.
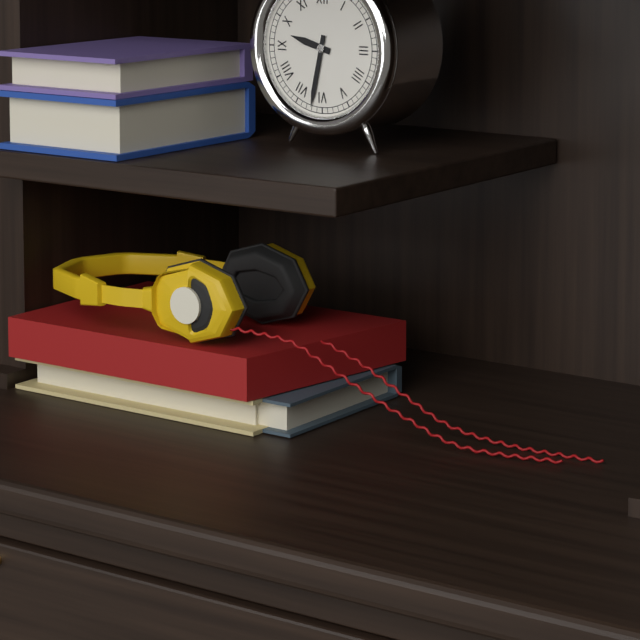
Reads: h=9 m=32
